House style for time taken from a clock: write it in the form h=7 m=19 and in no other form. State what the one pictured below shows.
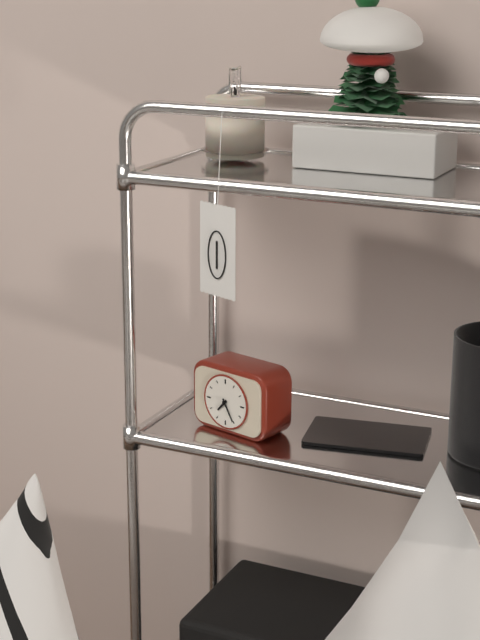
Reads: h=7 m=25
